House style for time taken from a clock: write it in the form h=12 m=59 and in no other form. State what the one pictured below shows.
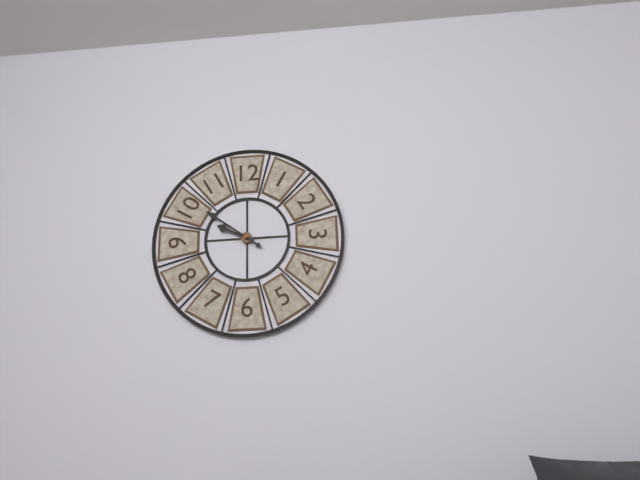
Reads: h=9 m=51
